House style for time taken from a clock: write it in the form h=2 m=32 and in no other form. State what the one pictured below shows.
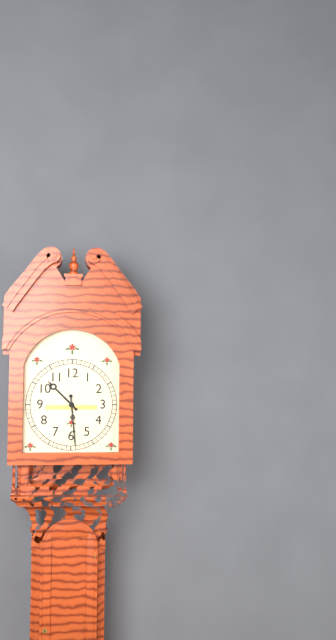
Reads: h=10 m=29
